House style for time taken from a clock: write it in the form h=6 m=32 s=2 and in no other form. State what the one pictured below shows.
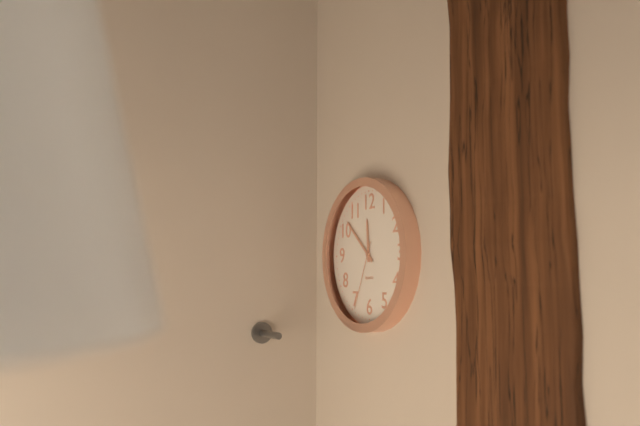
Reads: h=11 m=52 s=34
